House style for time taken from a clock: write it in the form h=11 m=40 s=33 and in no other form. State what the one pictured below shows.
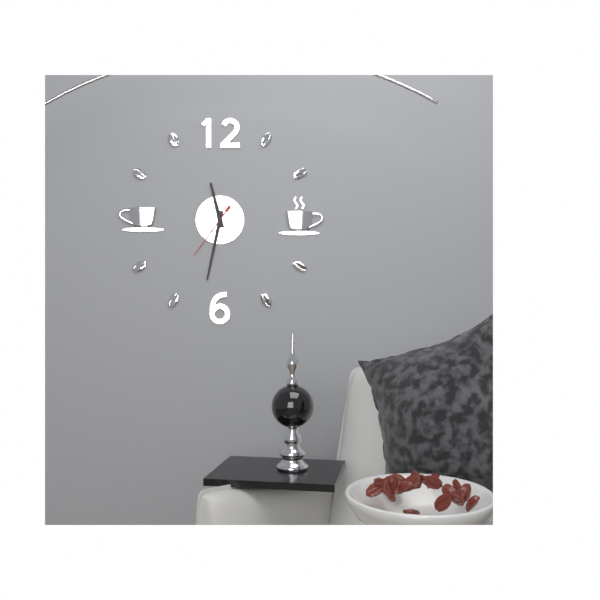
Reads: h=11 m=32 s=36
